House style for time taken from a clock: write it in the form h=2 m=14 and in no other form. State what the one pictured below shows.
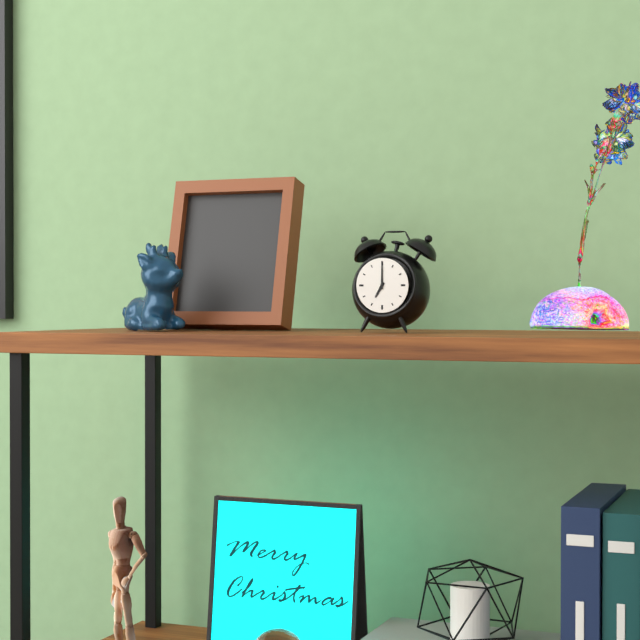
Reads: h=7 m=0
